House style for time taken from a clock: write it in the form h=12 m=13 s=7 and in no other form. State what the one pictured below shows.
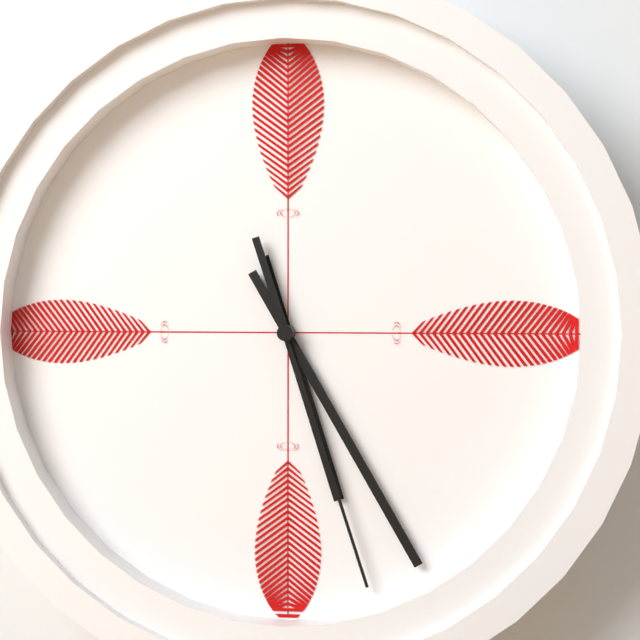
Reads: h=5 m=25 s=27
